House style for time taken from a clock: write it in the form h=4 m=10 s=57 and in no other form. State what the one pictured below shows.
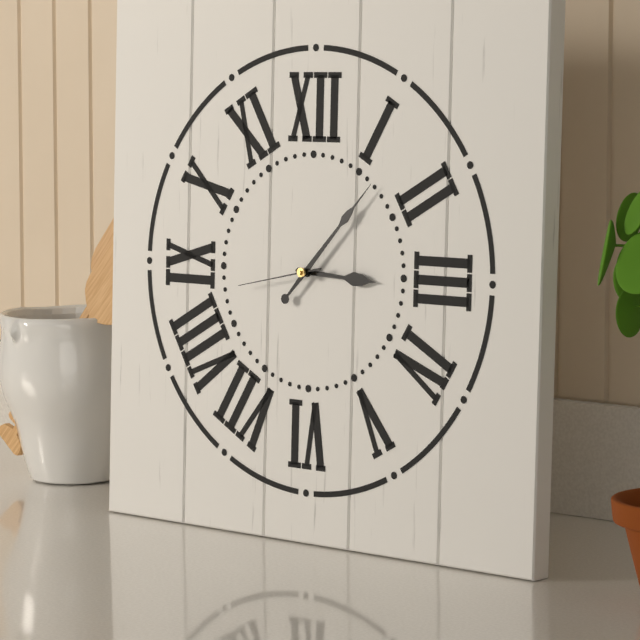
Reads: h=3 m=7 s=43
